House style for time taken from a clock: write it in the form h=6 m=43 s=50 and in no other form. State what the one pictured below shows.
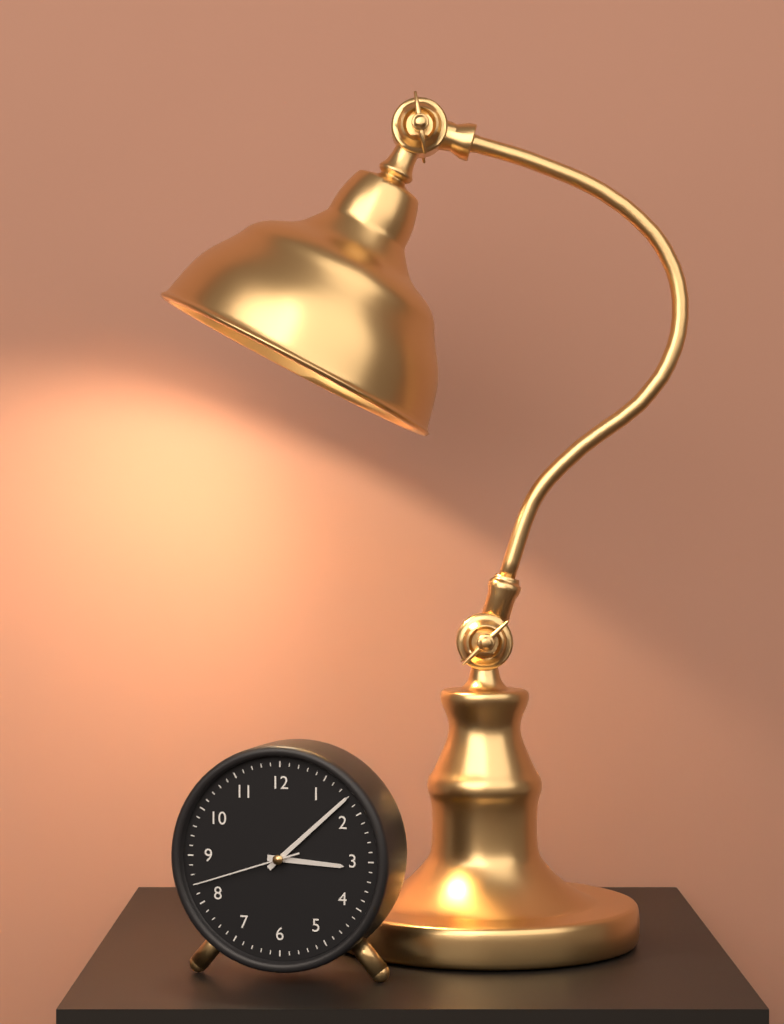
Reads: h=3 m=8 s=42
